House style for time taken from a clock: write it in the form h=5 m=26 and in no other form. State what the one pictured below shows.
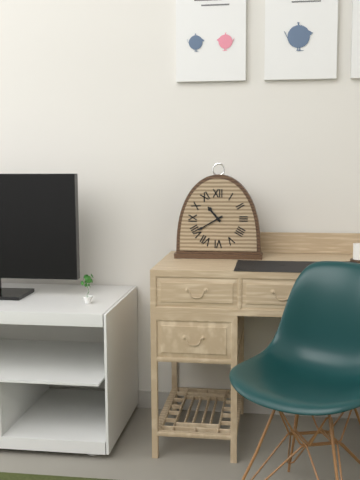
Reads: h=10 m=40
